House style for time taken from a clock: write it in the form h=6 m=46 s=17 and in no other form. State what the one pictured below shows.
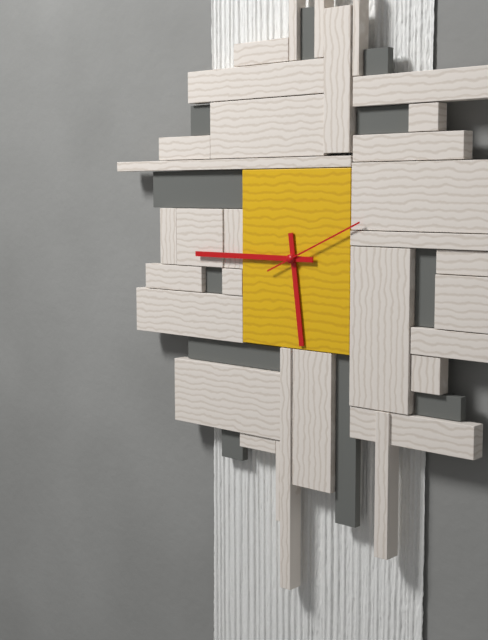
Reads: h=5 m=45 s=11
